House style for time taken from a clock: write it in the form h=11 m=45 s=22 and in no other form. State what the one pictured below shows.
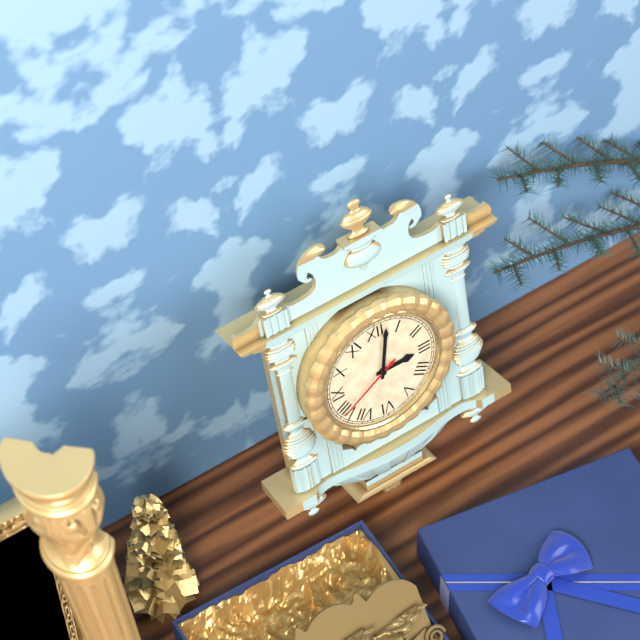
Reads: h=3 m=2 s=40
